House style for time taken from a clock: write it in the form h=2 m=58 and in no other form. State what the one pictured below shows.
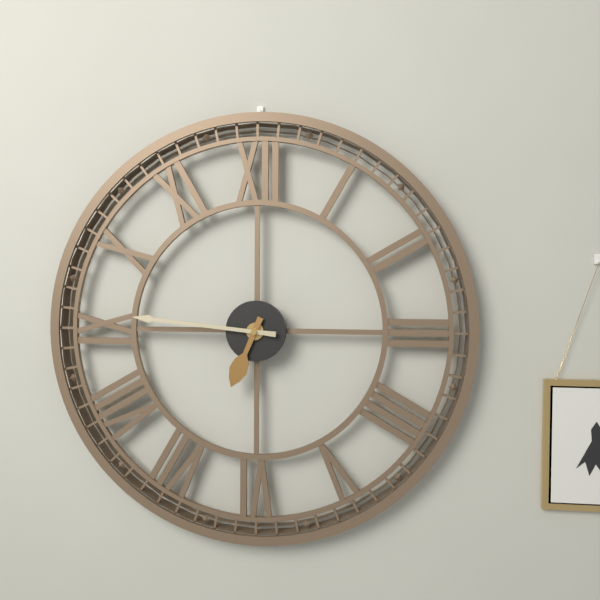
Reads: h=6 m=46
